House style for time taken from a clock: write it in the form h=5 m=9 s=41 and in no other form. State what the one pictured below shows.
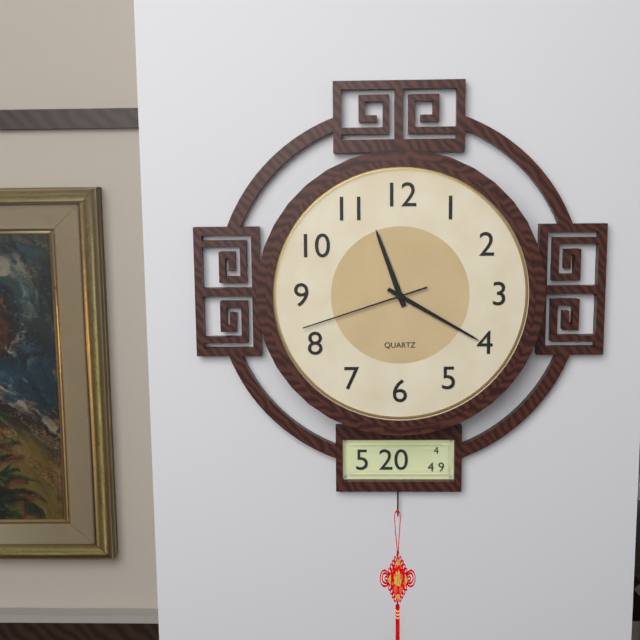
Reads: h=11 m=20 s=42
